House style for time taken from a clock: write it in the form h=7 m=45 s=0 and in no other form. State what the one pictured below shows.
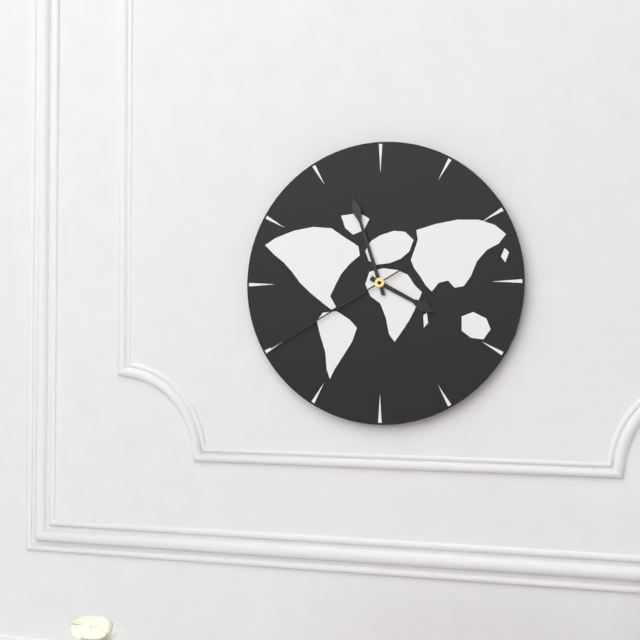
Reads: h=3 m=57 s=40
